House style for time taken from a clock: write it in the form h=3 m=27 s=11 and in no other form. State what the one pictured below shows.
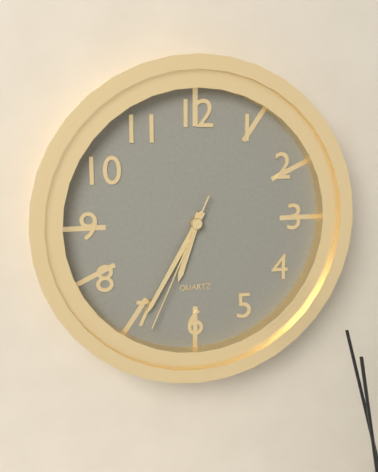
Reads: h=6 m=35 s=34
